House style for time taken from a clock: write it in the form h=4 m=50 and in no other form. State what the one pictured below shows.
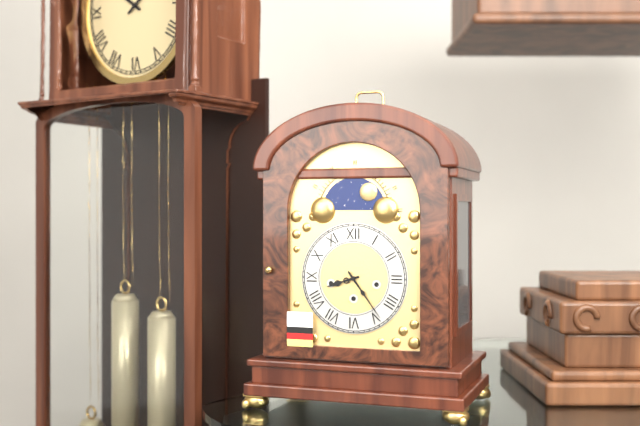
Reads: h=8 m=24
